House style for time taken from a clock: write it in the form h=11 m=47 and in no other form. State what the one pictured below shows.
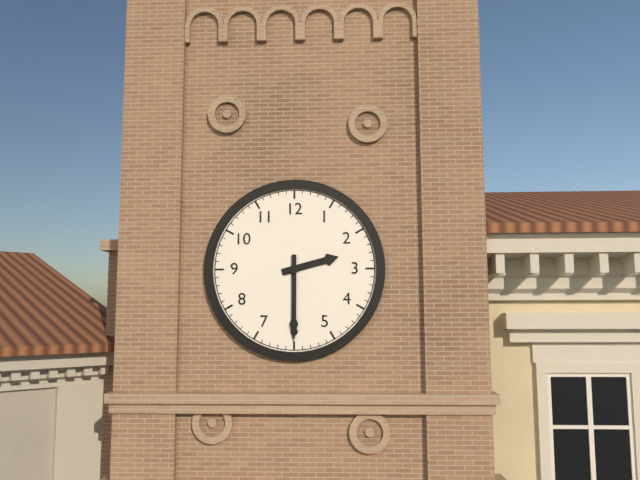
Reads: h=2 m=30
